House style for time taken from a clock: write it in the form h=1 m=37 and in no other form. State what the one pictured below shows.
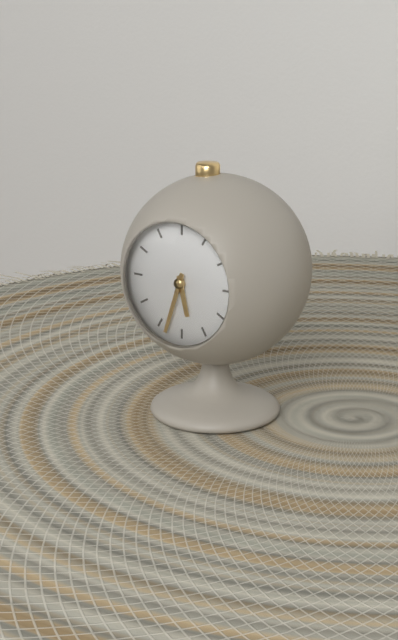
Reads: h=5 m=33
